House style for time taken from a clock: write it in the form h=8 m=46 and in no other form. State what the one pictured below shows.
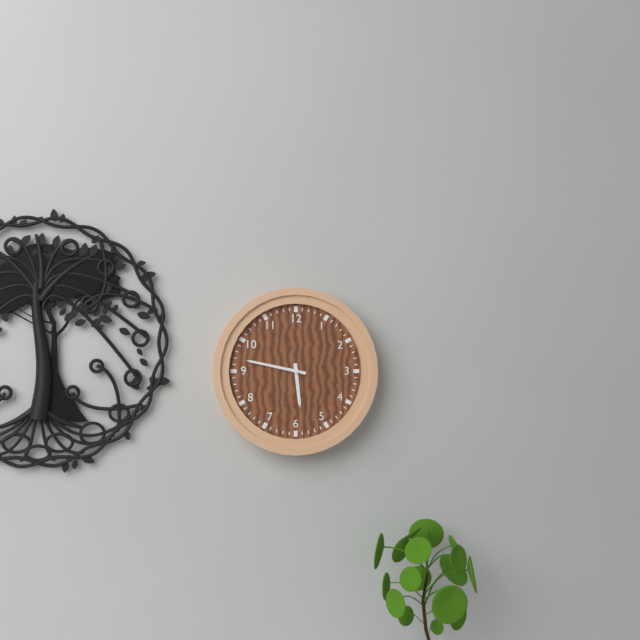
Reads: h=5 m=47
